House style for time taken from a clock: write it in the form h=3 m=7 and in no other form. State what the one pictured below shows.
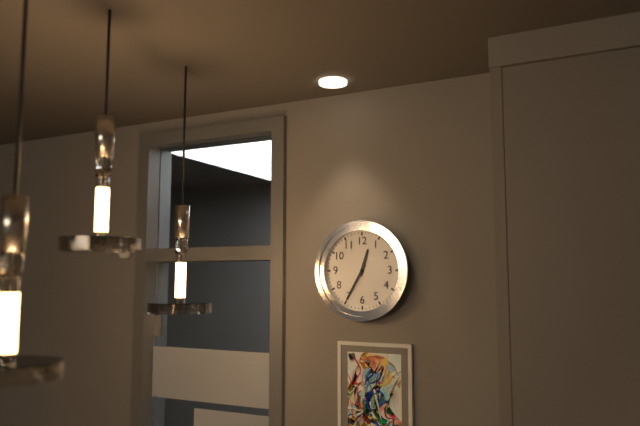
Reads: h=12 m=35
